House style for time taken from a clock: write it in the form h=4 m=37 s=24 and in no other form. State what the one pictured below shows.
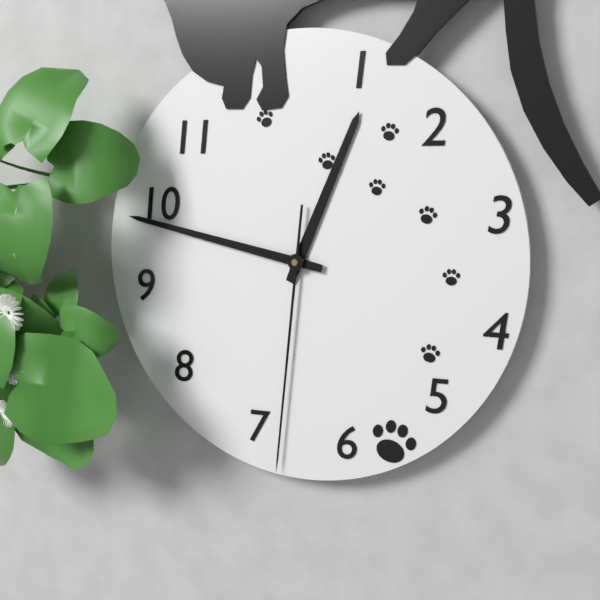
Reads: h=12 m=47 s=31
